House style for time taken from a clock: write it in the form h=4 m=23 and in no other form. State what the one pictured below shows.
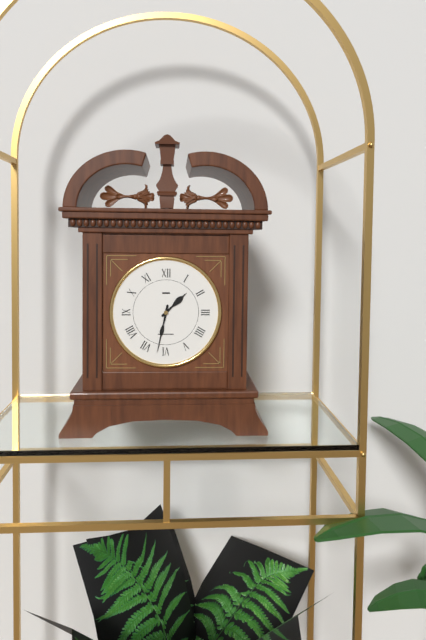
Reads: h=1 m=32
